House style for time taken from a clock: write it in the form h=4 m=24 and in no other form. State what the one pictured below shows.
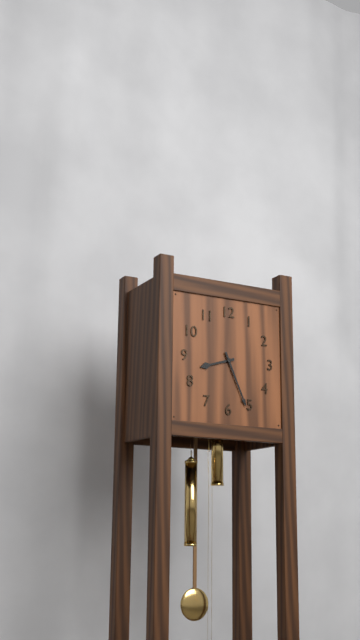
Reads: h=8 m=26
